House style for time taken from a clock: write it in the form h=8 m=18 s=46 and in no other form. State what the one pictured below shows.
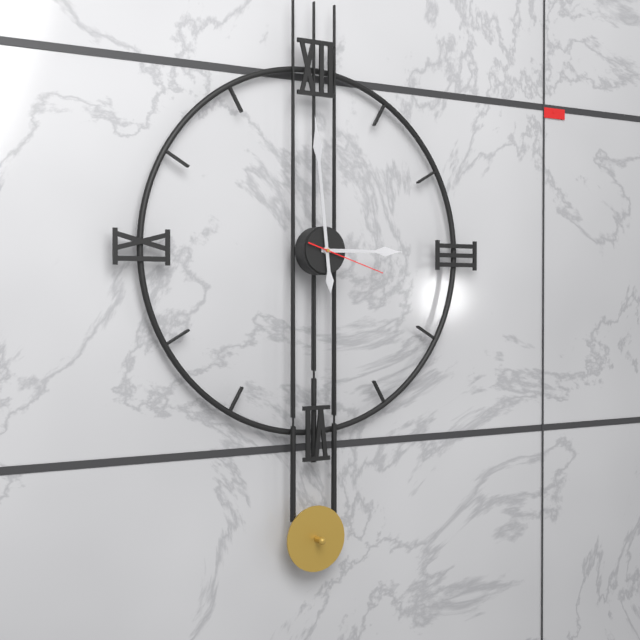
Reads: h=2 m=59 s=18
